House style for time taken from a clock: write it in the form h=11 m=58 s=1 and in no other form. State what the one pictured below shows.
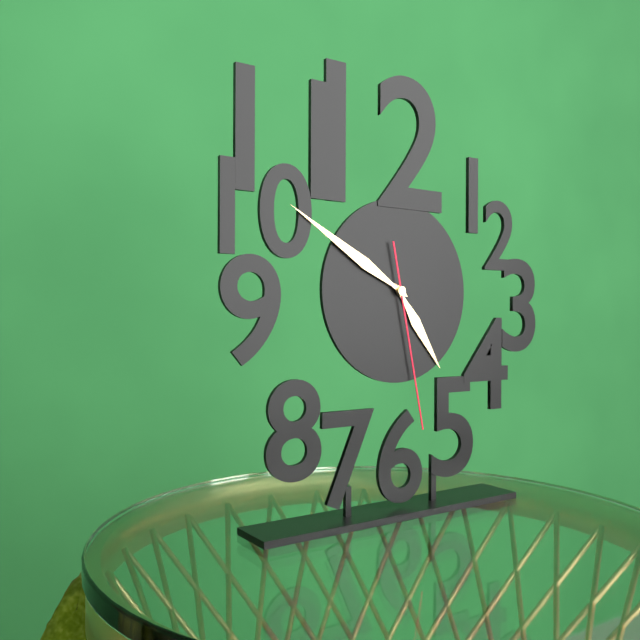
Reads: h=4 m=50 s=28
